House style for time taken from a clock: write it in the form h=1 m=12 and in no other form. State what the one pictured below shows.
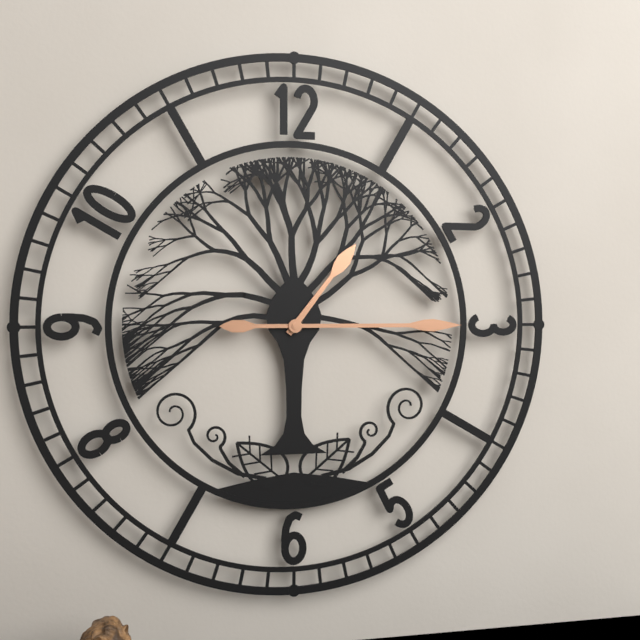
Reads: h=1 m=15
